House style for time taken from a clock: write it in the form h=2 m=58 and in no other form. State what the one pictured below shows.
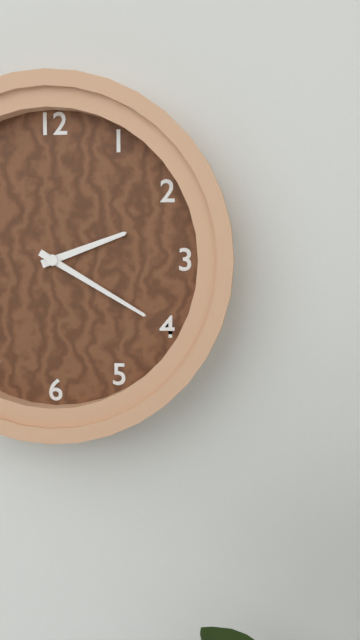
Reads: h=2 m=20
